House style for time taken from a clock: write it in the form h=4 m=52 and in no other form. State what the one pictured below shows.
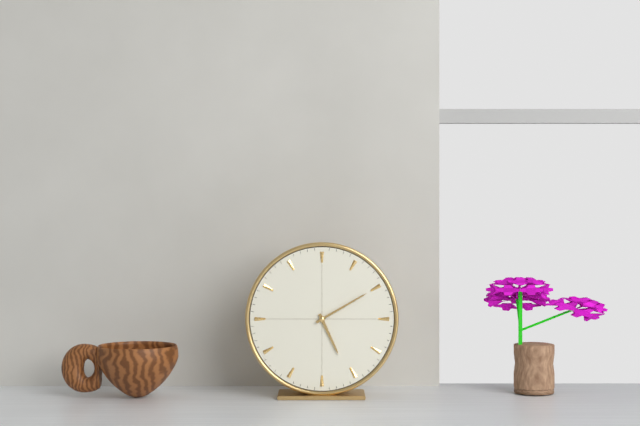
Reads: h=5 m=10
